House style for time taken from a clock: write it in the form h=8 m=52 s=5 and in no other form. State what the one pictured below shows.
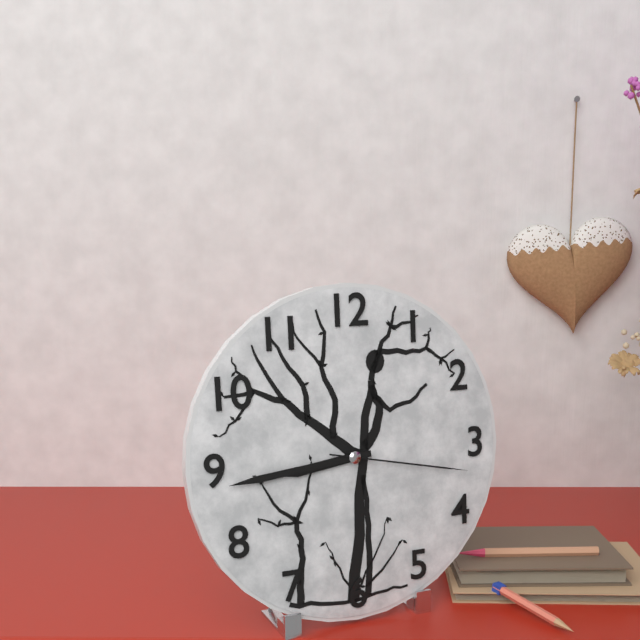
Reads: h=8 m=44 s=17
